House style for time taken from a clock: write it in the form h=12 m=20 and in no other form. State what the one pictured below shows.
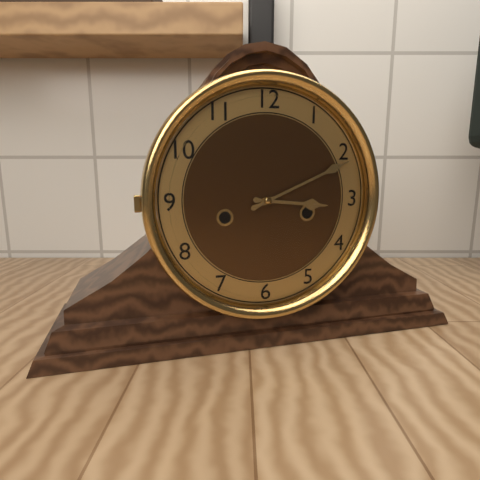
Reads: h=3 m=11
